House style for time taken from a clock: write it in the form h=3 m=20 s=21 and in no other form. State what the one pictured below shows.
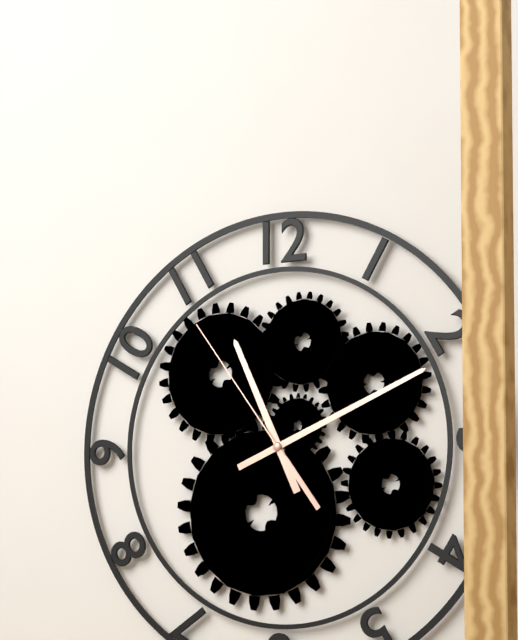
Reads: h=11 m=11 s=54
